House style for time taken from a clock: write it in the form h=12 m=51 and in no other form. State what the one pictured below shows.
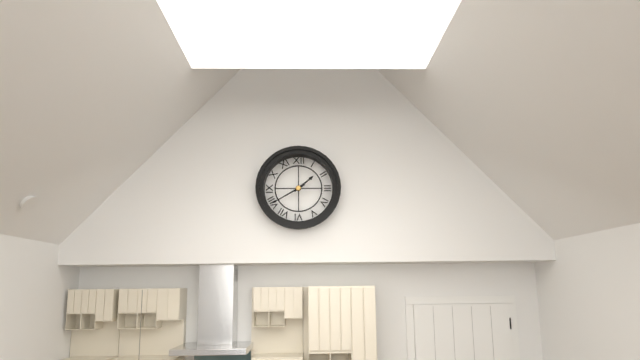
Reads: h=1 m=40
